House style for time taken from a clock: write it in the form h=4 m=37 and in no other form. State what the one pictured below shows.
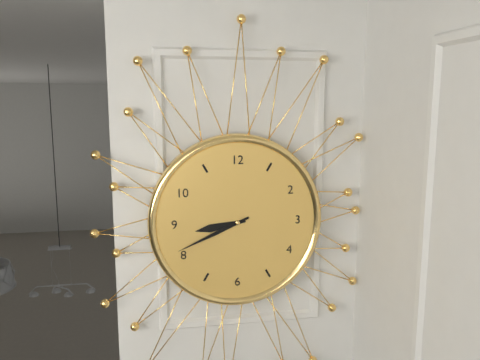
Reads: h=8 m=41
